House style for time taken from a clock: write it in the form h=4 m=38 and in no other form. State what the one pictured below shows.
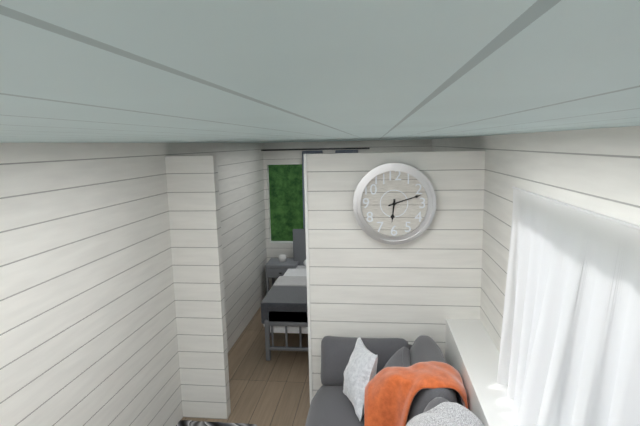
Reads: h=6 m=12
